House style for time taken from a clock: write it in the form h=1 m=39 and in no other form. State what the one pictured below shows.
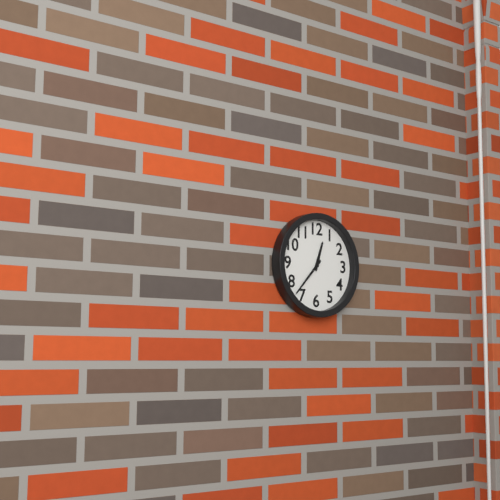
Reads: h=12 m=37
